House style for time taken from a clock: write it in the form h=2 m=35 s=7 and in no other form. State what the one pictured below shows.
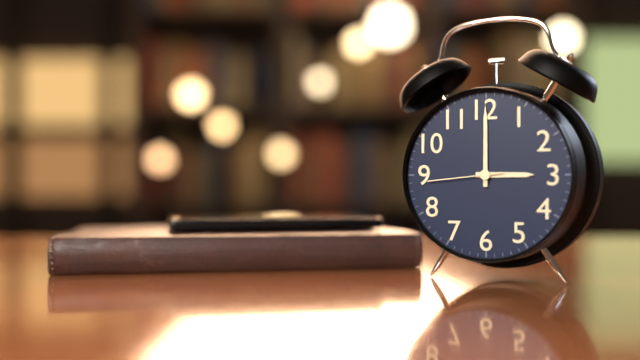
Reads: h=3 m=0 s=44
